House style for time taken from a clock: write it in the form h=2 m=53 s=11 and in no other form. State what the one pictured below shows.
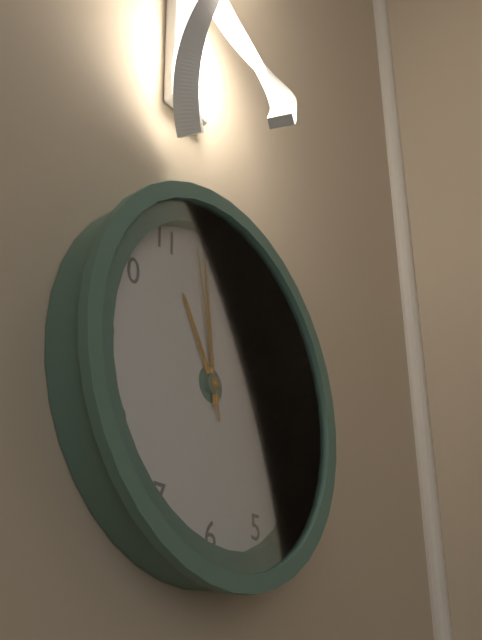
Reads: h=10 m=59 s=58
